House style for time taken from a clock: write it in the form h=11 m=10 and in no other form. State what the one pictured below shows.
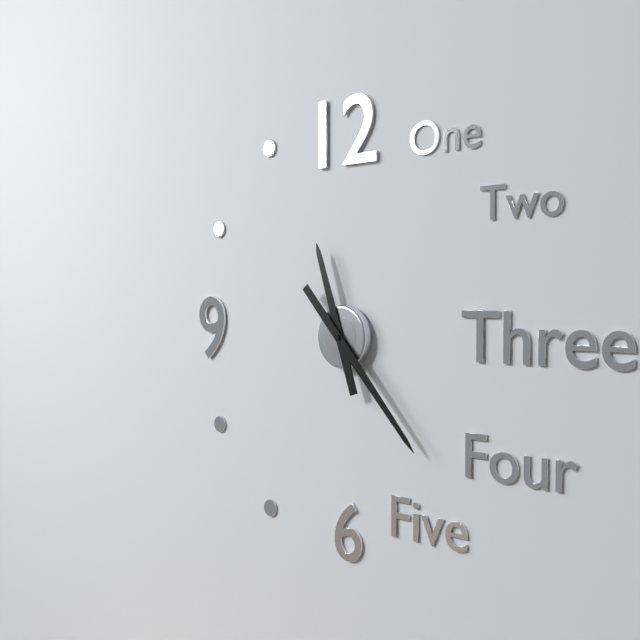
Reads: h=11 m=23
